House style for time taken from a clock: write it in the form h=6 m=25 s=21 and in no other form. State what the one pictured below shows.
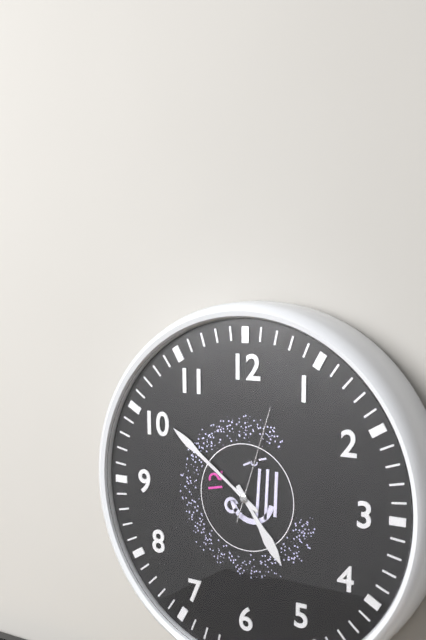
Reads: h=4 m=51 s=3
